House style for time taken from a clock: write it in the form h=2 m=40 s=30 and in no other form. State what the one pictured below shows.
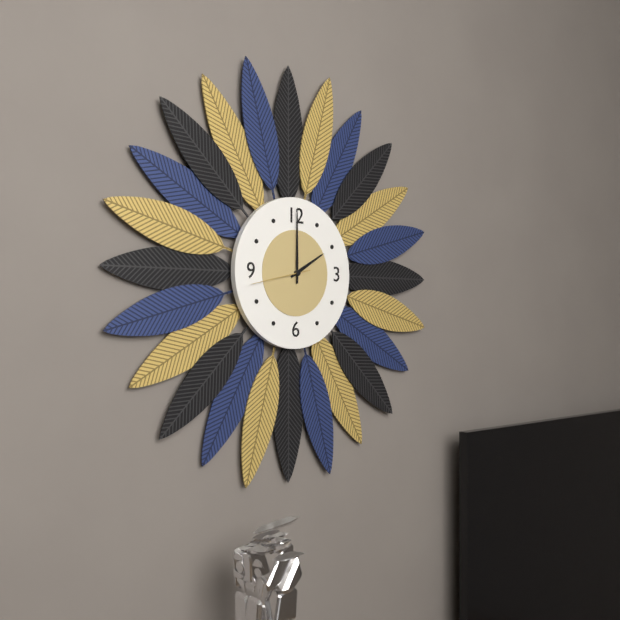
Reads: h=2 m=0 s=43
